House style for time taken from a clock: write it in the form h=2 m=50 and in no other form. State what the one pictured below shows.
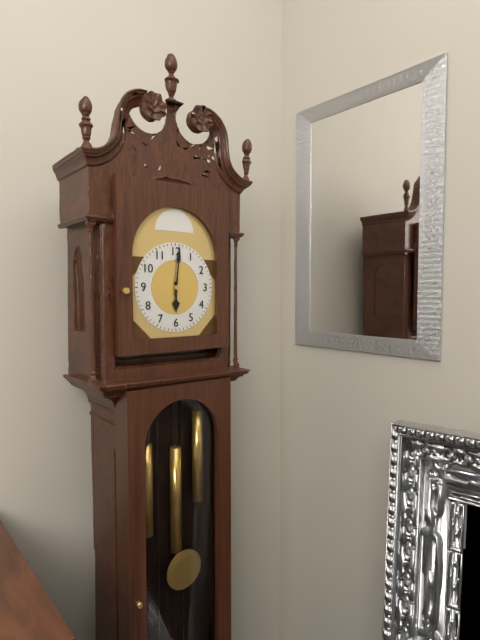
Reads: h=6 m=1
